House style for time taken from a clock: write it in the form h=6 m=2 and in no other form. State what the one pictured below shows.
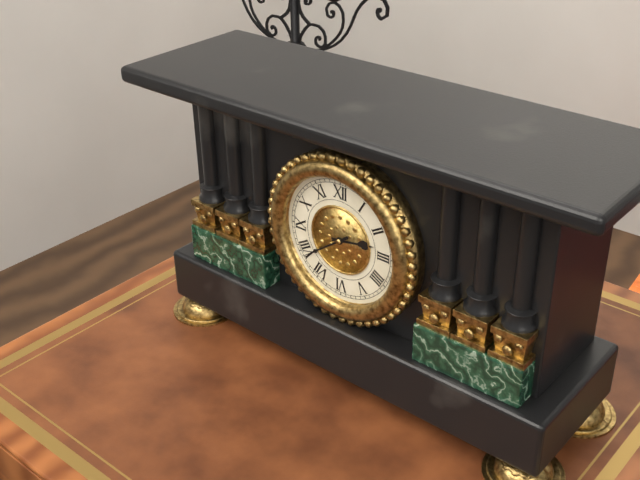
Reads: h=2 m=39
